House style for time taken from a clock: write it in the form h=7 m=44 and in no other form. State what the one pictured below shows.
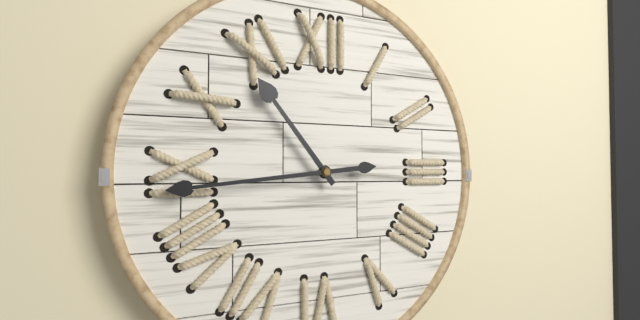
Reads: h=10 m=44
